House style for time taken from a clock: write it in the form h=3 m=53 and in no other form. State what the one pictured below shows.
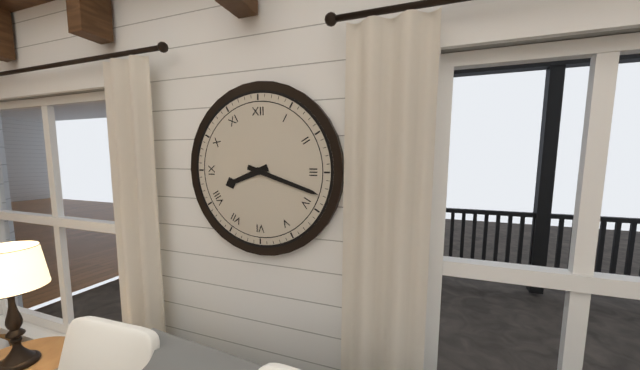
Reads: h=8 m=18
